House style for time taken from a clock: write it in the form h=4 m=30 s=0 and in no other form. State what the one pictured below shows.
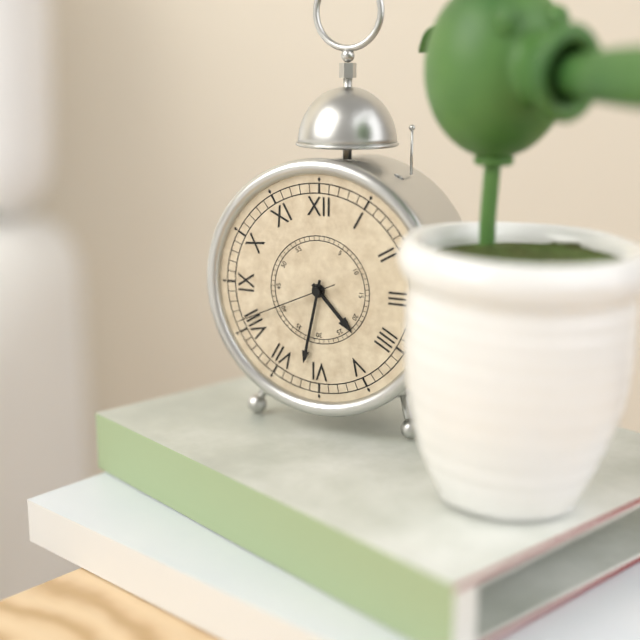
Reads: h=4 m=32 s=41
